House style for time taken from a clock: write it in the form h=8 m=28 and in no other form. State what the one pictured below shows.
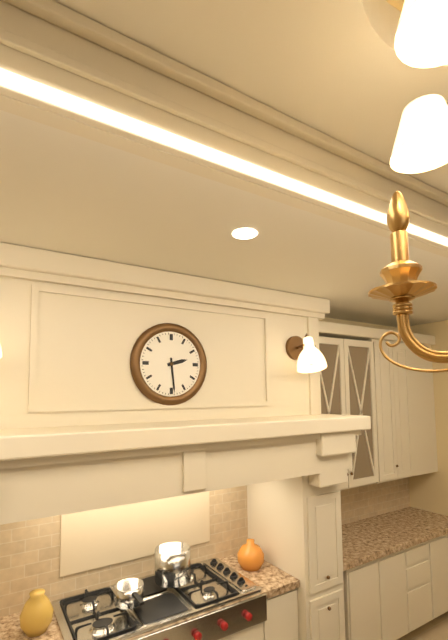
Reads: h=2 m=29
